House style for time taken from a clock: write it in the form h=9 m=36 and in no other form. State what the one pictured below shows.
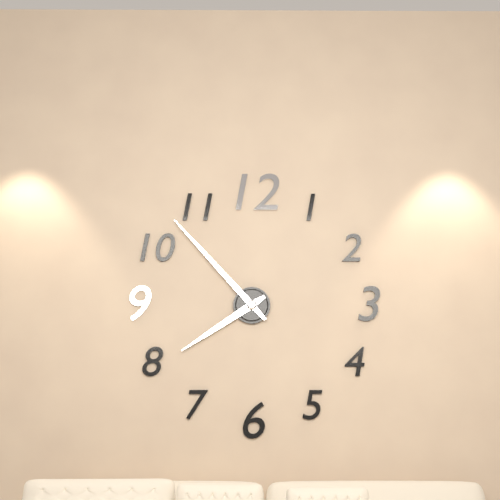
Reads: h=7 m=53
